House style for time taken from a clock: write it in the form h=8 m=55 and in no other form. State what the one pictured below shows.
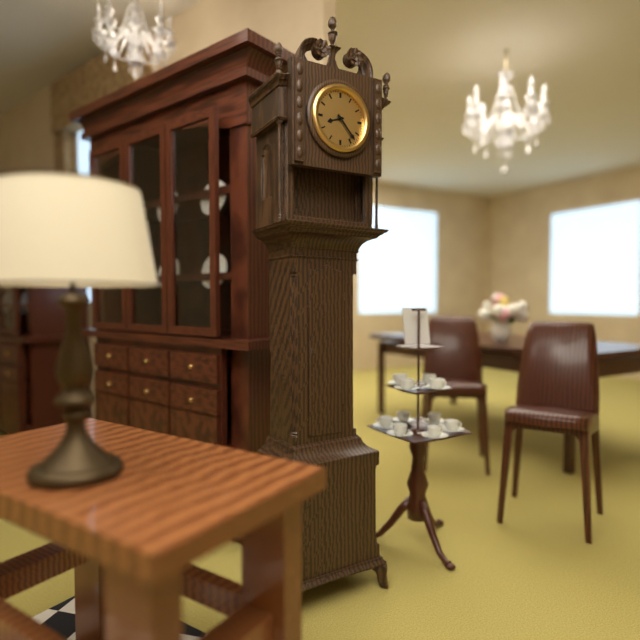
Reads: h=8 m=23
